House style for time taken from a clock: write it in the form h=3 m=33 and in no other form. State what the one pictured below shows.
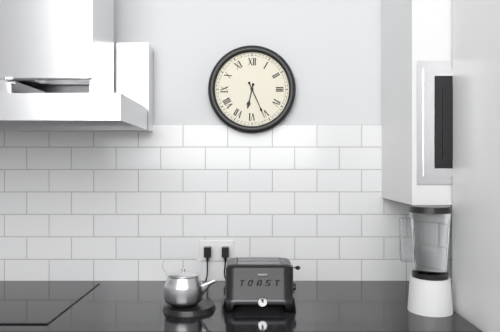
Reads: h=6 m=26
